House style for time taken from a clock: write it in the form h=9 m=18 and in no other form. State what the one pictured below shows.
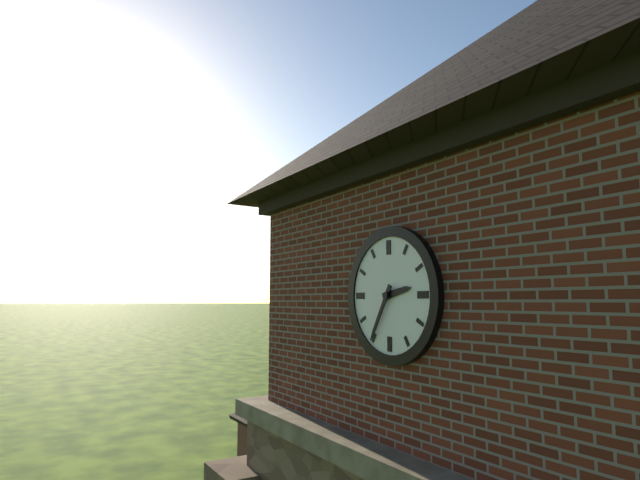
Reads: h=2 m=35
